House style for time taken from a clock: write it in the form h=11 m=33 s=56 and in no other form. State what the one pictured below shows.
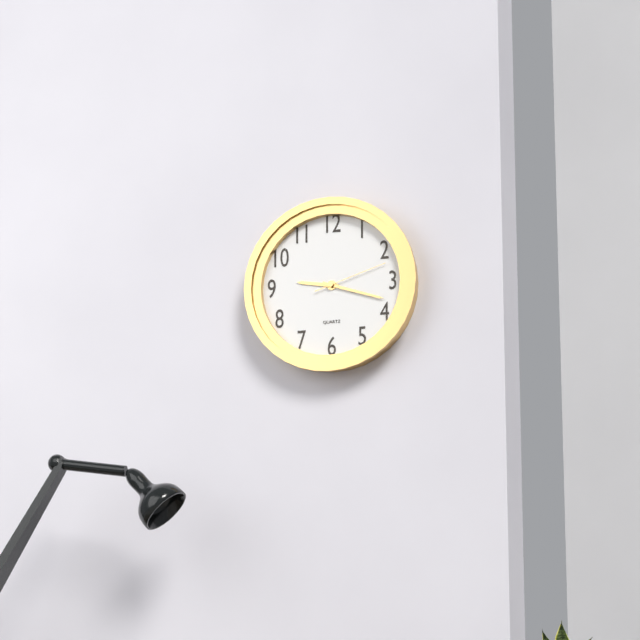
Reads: h=9 m=18 s=12
